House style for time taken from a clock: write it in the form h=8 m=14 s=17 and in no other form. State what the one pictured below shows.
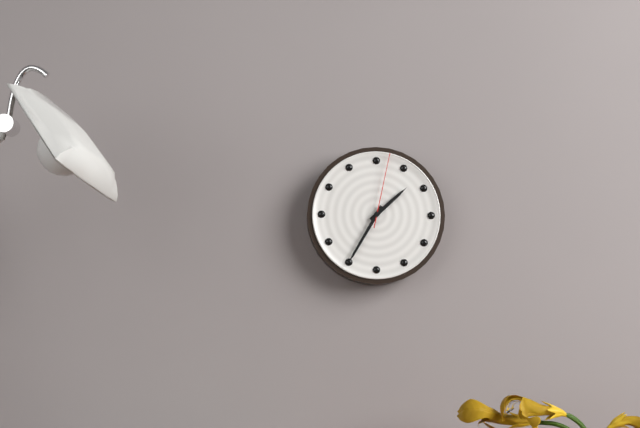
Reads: h=1 m=35 s=2
